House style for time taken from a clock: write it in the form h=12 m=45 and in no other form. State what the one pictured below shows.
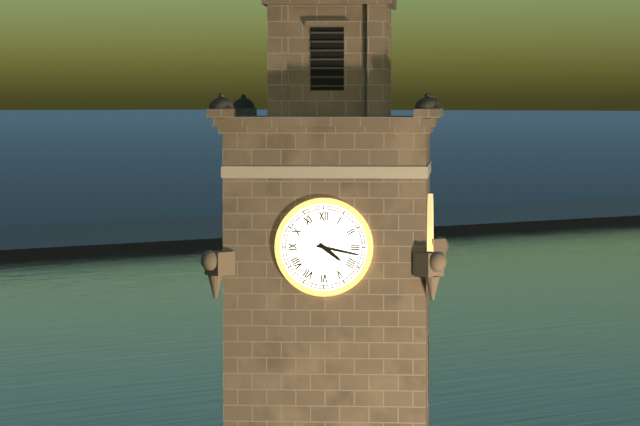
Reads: h=4 m=17
